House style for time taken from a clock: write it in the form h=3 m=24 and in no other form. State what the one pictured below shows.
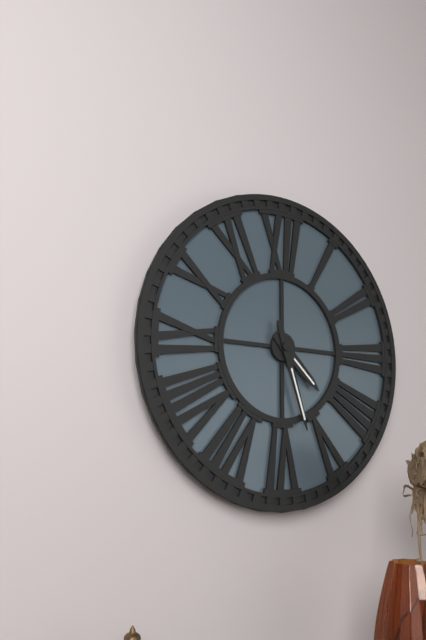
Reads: h=4 m=27
